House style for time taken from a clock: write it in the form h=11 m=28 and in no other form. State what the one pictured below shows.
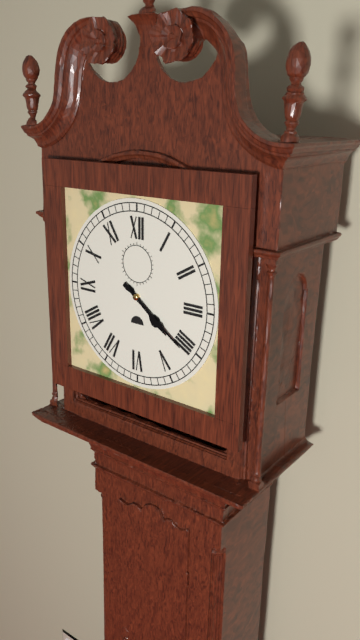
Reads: h=4 m=21
